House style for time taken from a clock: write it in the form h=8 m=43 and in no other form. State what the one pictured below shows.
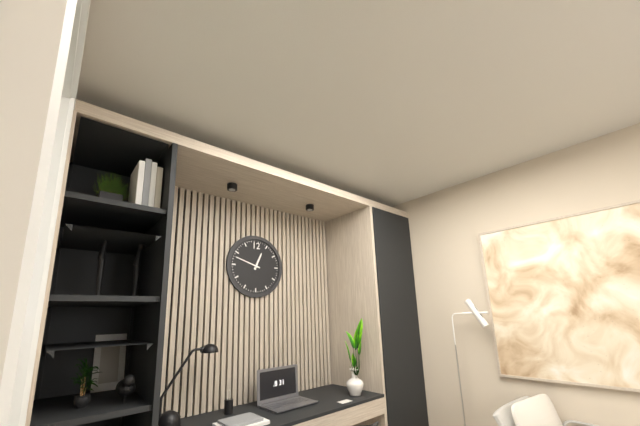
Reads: h=12 m=48
